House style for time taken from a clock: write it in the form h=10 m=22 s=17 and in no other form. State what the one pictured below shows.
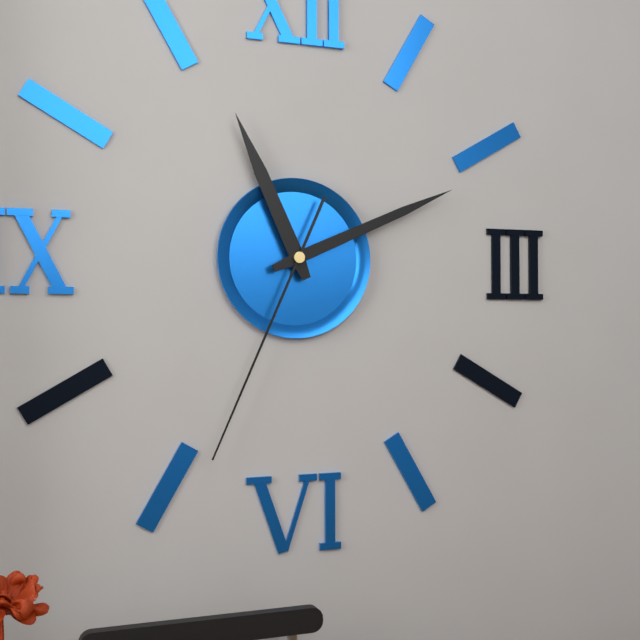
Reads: h=11 m=11 s=34
